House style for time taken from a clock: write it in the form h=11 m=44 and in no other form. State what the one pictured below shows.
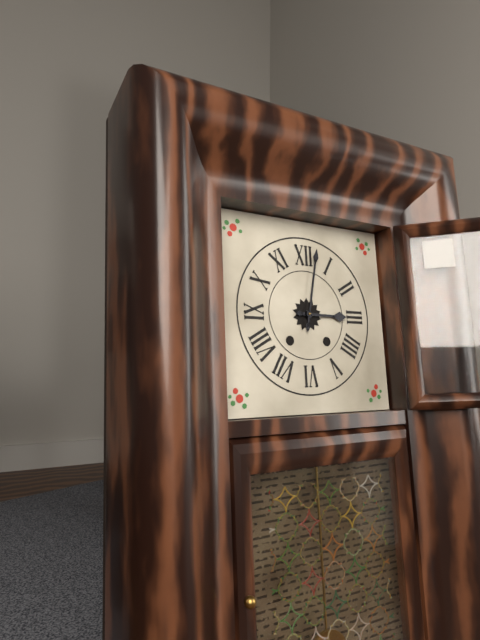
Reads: h=3 m=2
